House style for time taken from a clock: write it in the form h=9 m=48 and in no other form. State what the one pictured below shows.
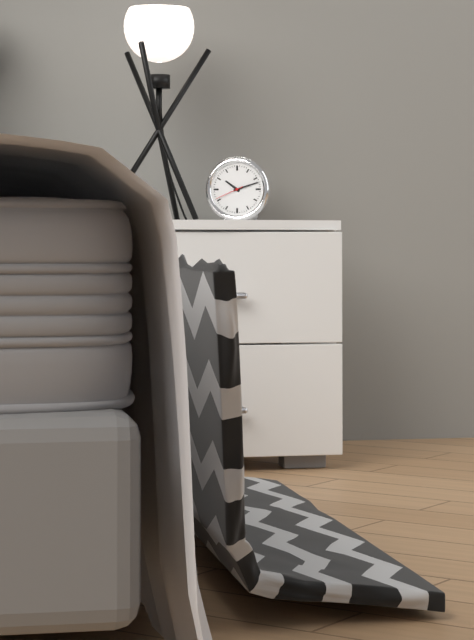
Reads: h=10 m=12
